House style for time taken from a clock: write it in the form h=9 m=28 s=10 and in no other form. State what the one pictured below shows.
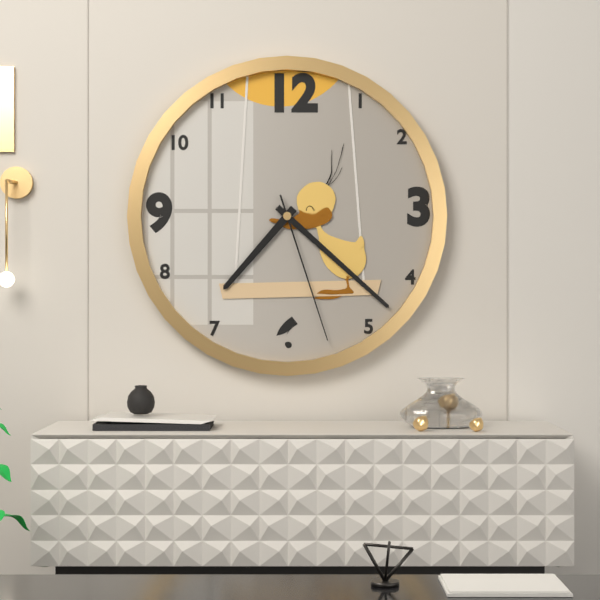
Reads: h=7 m=22 s=27
